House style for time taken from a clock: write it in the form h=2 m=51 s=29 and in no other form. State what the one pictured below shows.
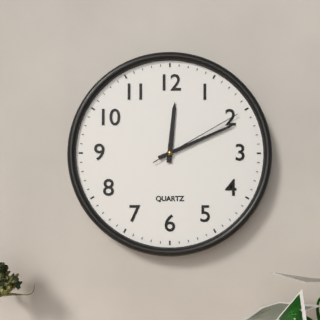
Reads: h=12 m=11 s=10
